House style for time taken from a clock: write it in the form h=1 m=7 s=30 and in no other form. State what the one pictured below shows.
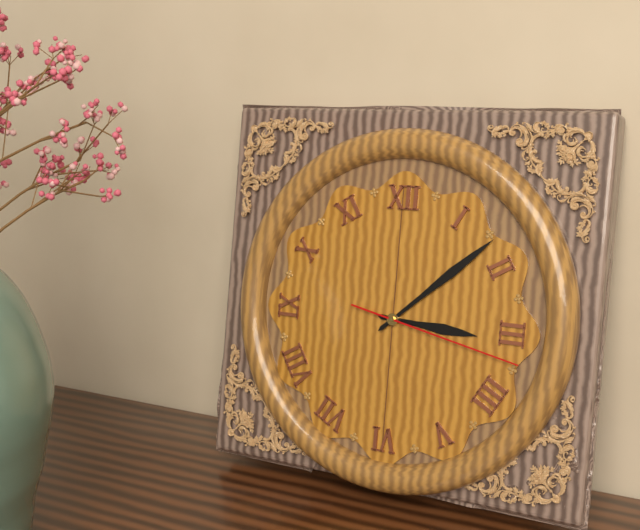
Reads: h=3 m=8 s=17
